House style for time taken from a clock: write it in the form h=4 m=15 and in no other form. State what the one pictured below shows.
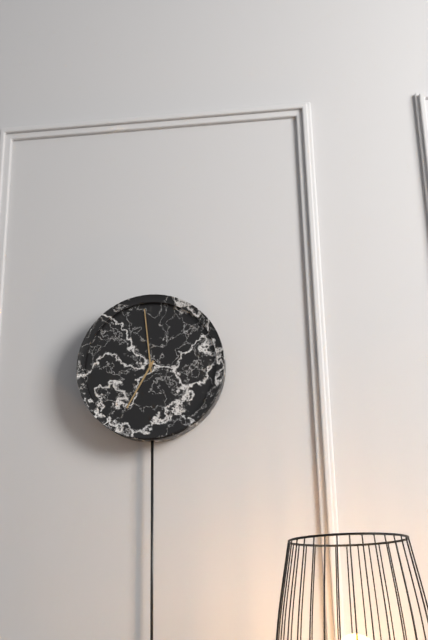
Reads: h=6 m=59
